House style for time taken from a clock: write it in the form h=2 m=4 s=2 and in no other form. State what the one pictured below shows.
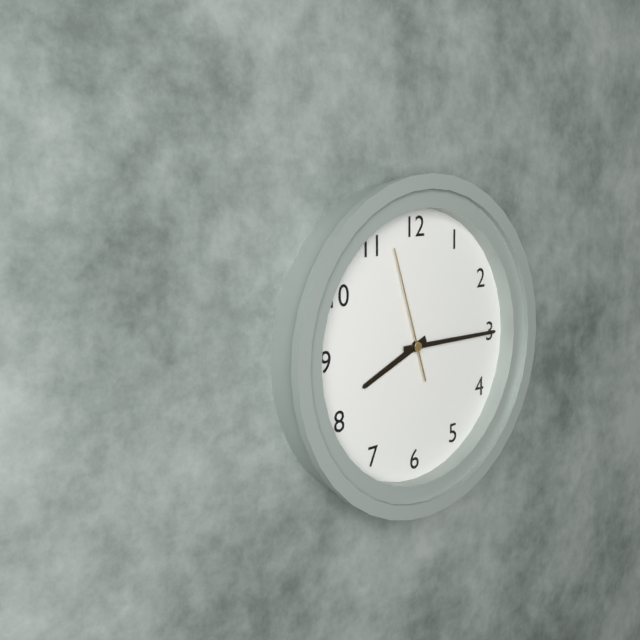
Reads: h=8 m=15 s=57
